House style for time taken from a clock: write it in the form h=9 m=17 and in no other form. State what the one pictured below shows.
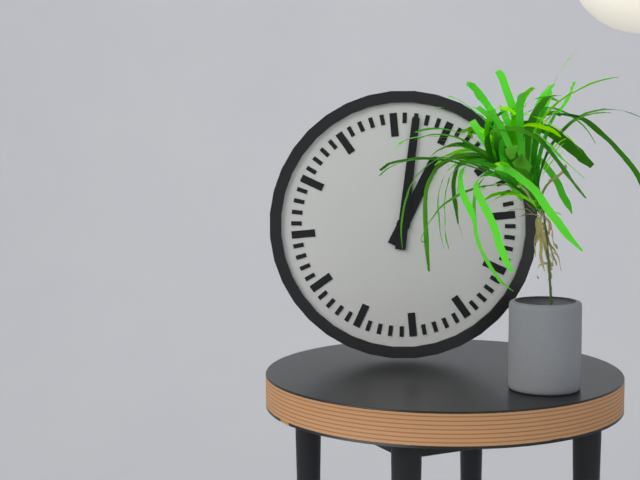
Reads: h=1 m=2
